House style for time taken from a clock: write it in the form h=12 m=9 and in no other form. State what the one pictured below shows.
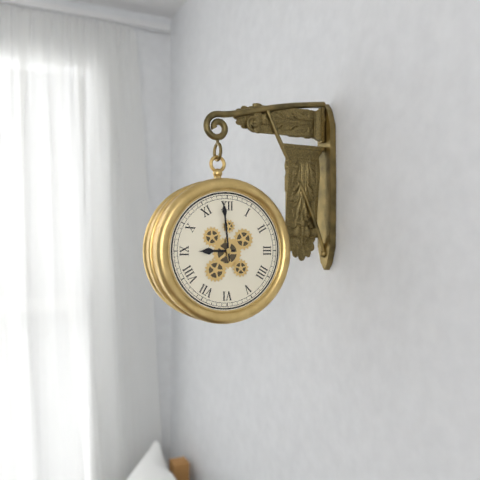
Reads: h=8 m=59
